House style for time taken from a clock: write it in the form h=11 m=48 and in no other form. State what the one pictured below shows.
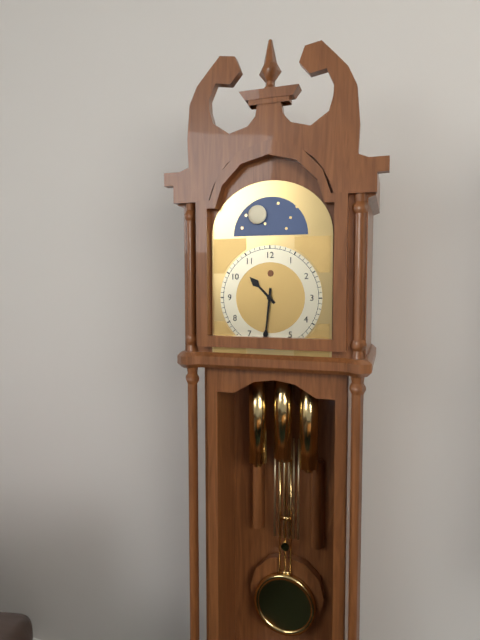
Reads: h=10 m=31
